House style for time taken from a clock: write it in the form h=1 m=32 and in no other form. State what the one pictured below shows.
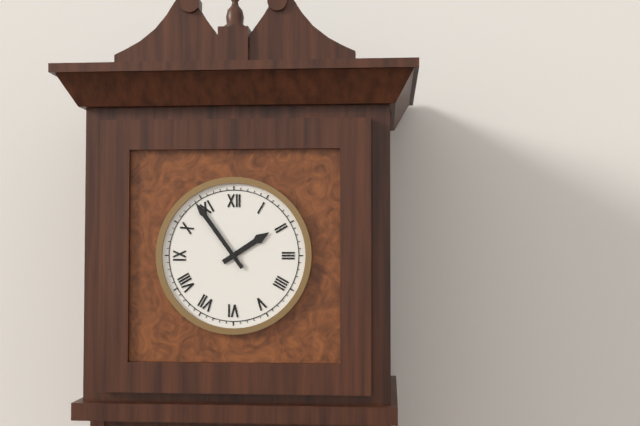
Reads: h=1 m=54
